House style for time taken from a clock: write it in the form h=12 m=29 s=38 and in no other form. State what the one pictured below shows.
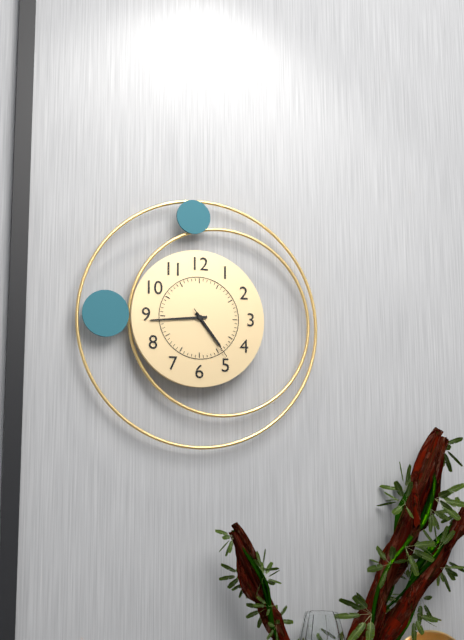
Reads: h=4 m=44 s=24
